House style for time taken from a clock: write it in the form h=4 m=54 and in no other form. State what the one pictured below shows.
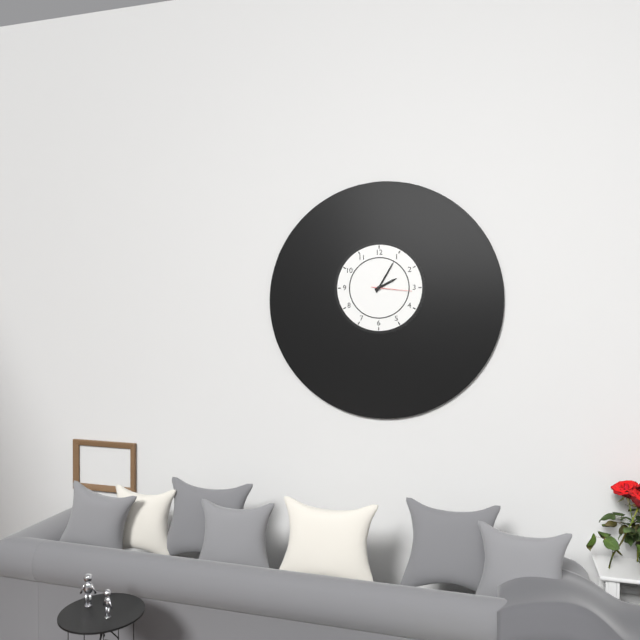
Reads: h=2 m=5
